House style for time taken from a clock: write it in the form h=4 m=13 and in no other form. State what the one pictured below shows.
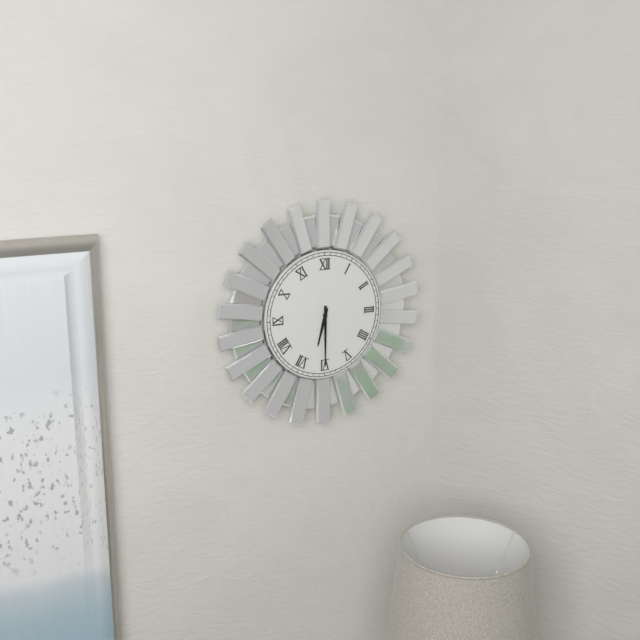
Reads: h=6 m=30
